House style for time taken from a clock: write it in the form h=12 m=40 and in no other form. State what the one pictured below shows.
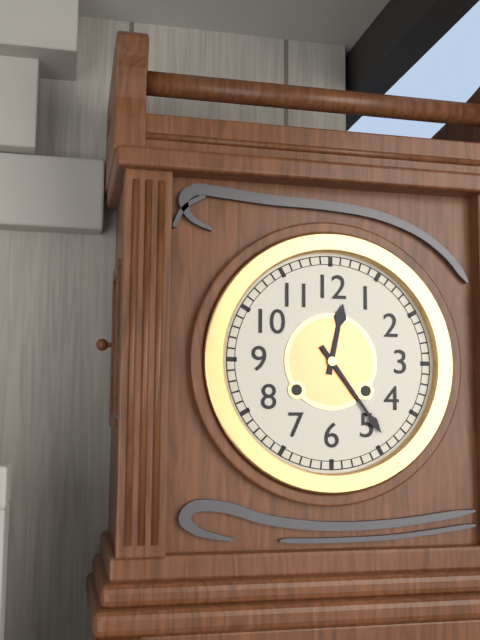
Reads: h=12 m=24
